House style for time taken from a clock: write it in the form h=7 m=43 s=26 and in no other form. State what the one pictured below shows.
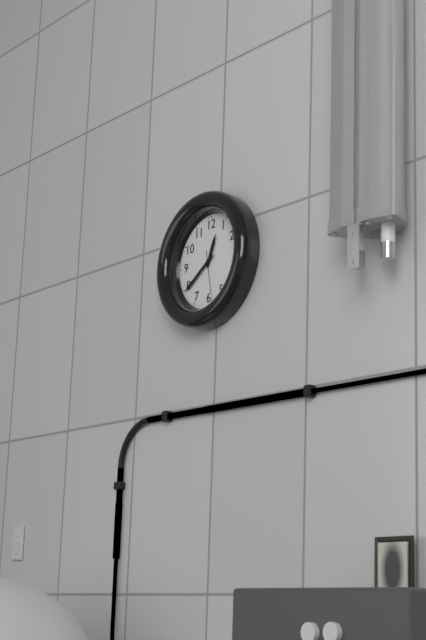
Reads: h=12 m=39 s=28
